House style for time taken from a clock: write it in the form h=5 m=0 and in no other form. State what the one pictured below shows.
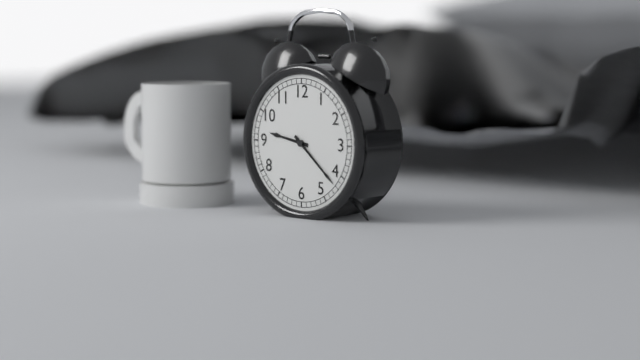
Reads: h=9 m=22
